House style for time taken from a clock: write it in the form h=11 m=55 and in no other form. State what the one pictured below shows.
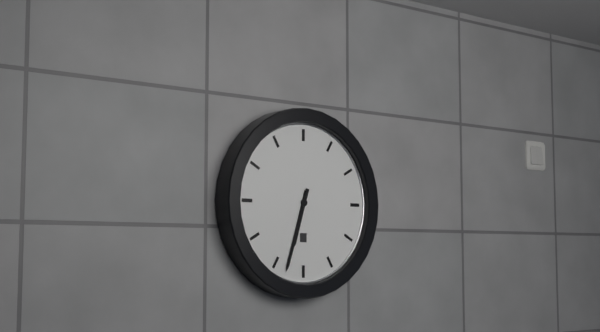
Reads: h=6 m=33
